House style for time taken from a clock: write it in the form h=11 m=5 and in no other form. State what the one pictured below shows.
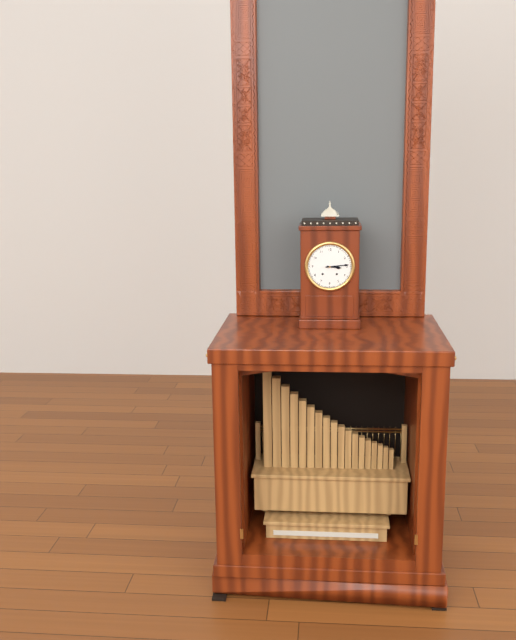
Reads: h=3 m=14
